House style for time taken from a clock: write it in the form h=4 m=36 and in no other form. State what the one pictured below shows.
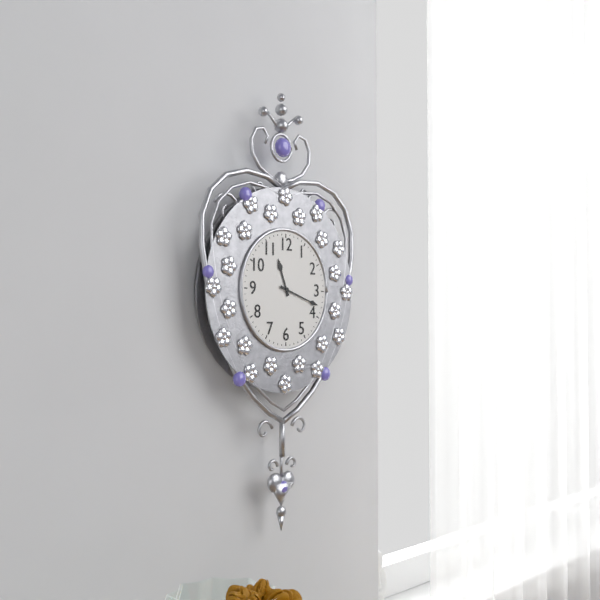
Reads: h=11 m=18
